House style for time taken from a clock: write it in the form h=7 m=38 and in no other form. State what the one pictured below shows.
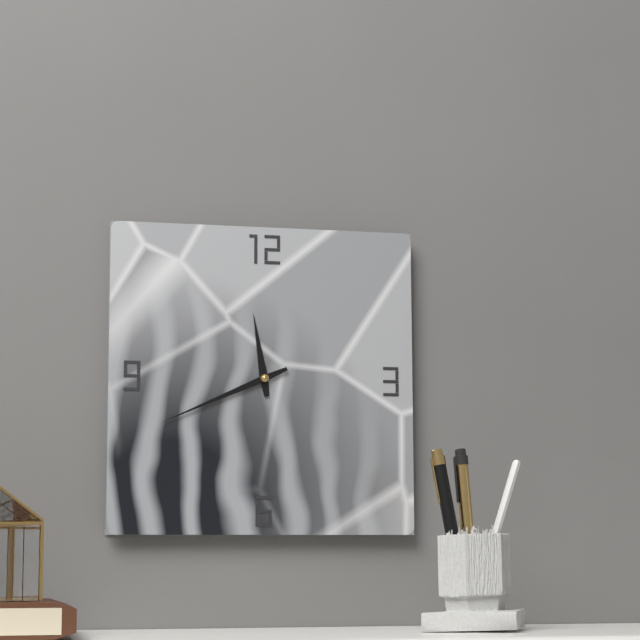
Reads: h=11 m=41
